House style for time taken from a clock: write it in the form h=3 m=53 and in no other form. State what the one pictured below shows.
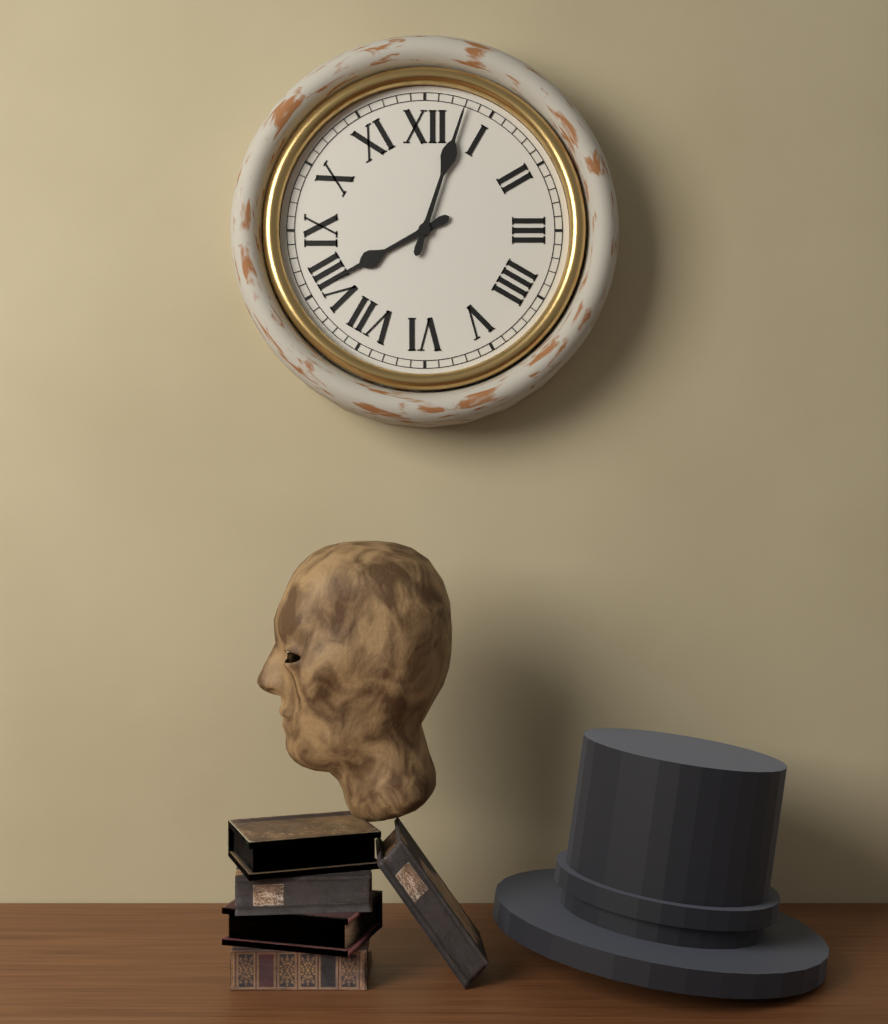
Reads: h=8 m=3
